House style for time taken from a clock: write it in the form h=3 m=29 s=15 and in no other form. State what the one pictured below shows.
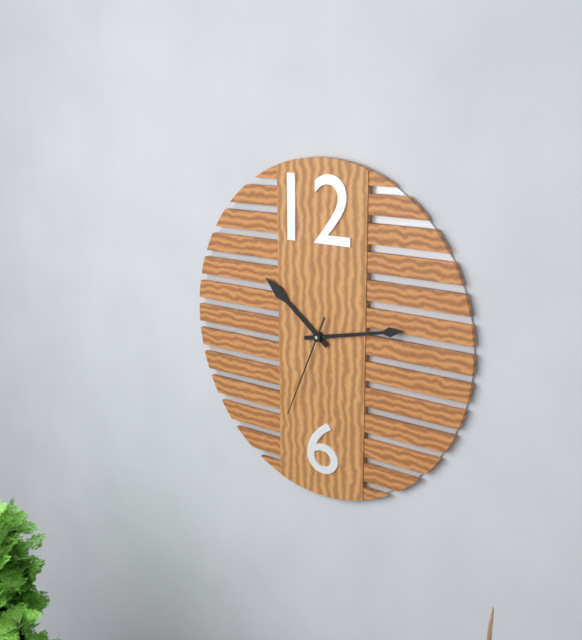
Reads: h=10 m=13 s=34
